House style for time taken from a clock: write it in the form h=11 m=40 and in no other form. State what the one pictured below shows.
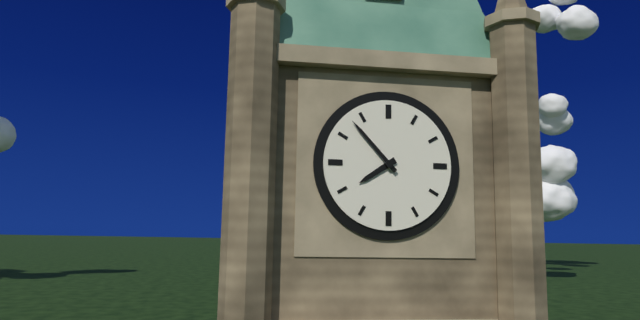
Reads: h=7 m=53
